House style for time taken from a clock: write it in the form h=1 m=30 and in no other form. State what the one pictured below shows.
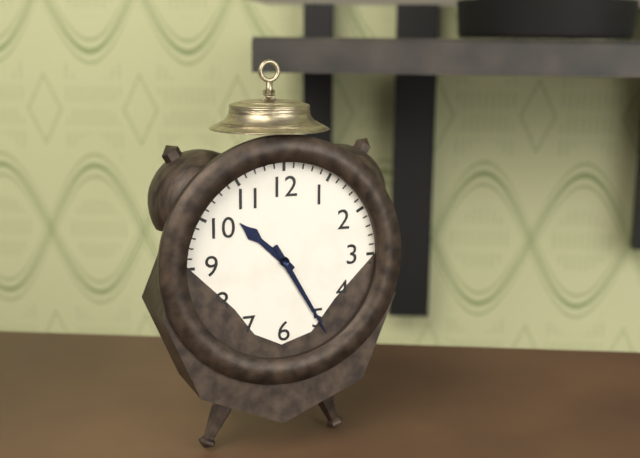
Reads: h=10 m=25
